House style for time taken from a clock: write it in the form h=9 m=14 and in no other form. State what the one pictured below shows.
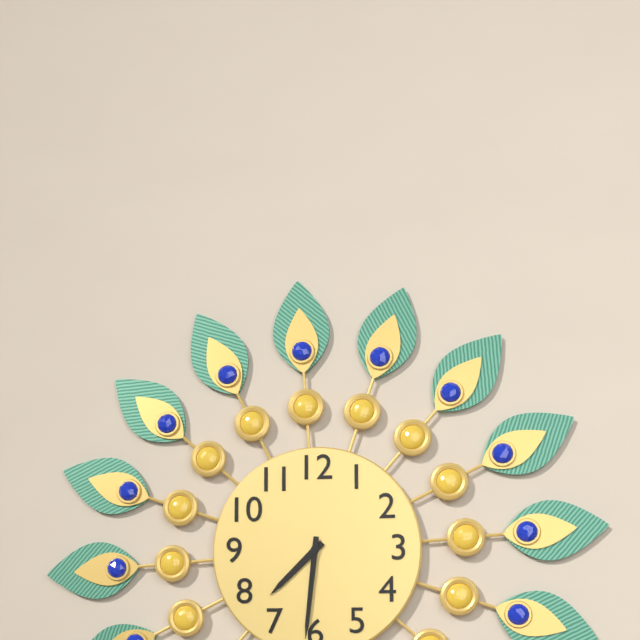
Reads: h=7 m=31
